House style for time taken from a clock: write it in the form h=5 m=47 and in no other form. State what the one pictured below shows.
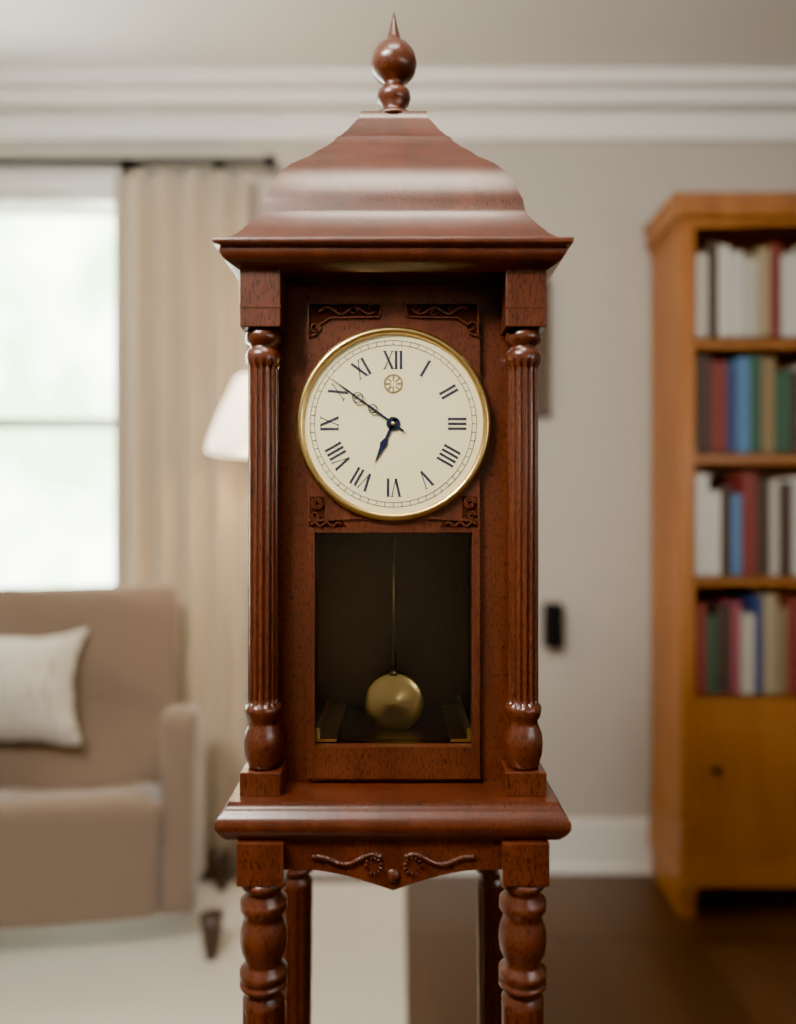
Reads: h=6 m=51
